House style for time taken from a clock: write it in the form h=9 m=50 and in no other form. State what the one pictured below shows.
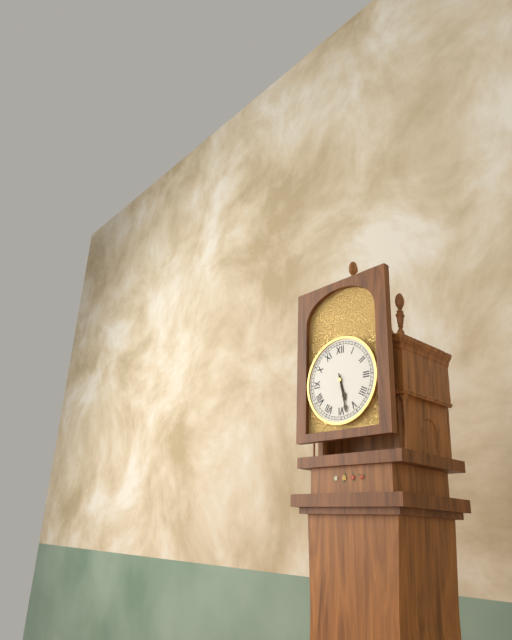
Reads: h=5 m=28
